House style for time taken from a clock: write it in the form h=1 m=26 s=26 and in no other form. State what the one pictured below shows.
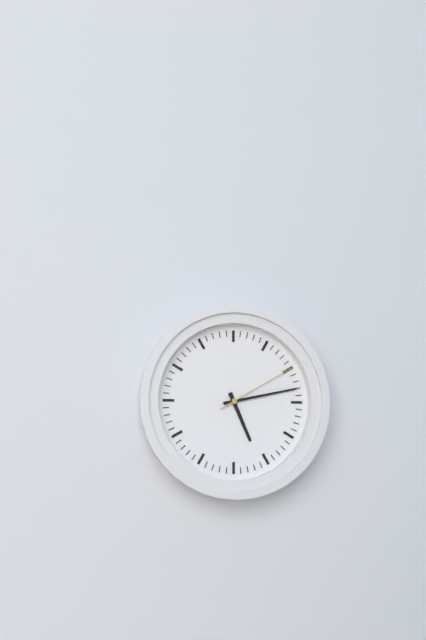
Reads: h=5 m=13 s=10
